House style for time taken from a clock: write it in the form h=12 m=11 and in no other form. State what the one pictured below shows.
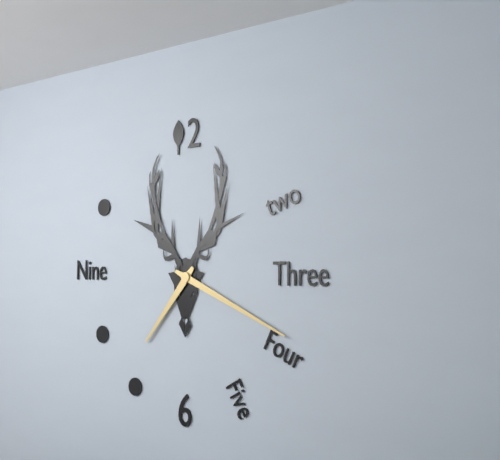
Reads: h=7 m=19
